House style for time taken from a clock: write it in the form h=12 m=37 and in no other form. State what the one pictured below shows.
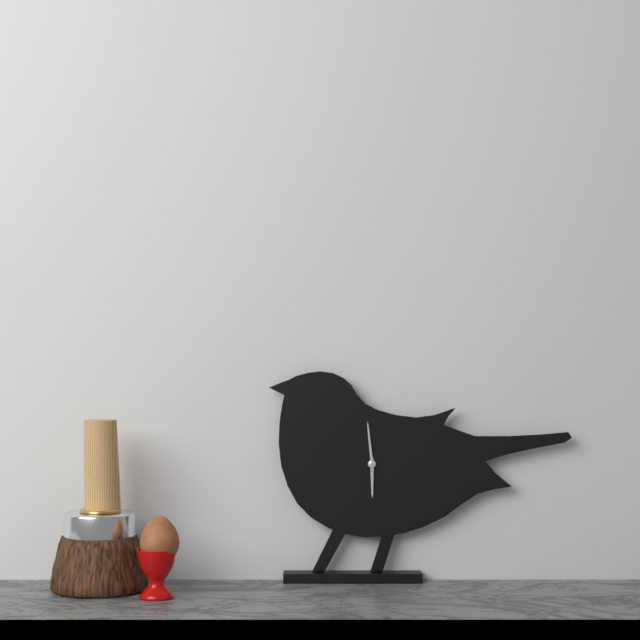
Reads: h=5 m=59
